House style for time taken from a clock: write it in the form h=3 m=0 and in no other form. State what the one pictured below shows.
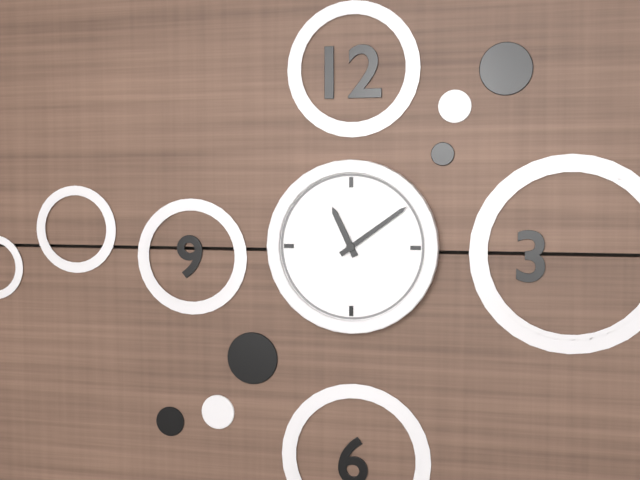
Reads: h=11 m=9
